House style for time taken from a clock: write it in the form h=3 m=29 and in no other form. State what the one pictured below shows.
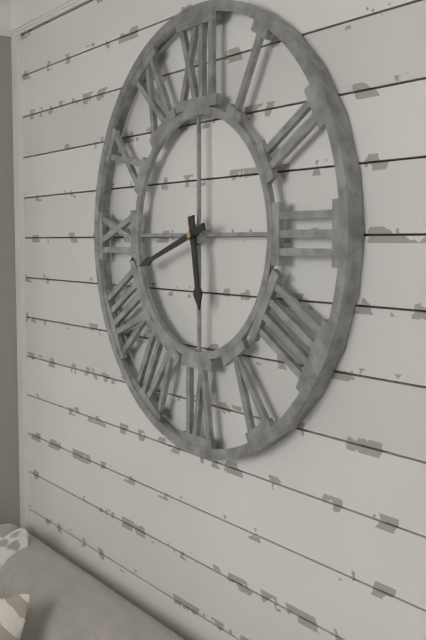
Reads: h=5 m=42
